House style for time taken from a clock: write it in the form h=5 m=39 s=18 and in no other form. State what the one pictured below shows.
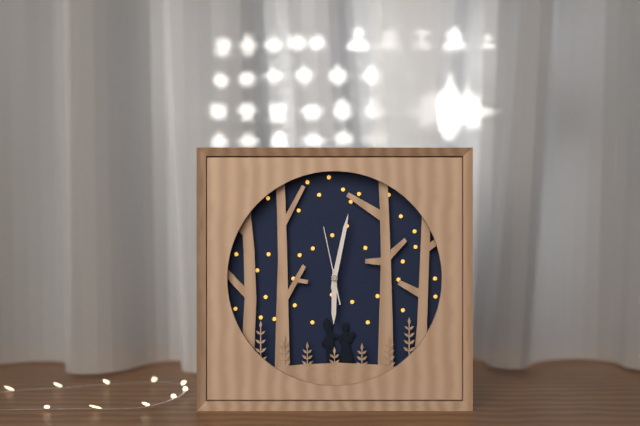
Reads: h=6 m=2 s=58
